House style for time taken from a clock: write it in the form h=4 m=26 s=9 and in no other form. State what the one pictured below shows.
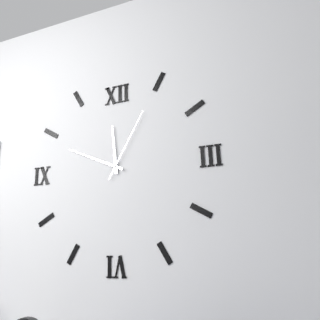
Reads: h=11 m=49 s=5
